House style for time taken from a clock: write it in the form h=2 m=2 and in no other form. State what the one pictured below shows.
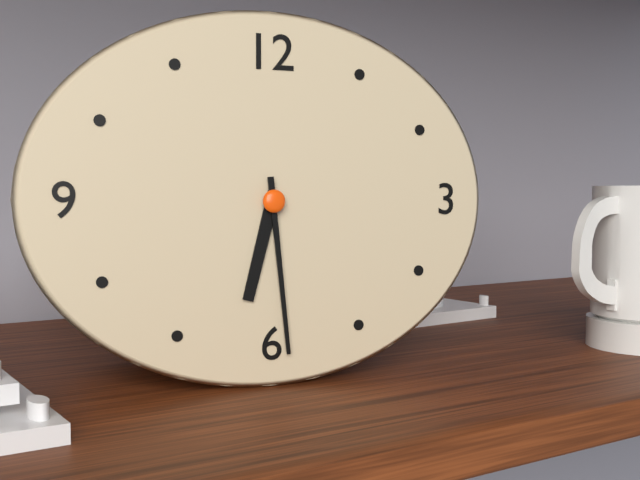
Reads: h=6 m=29
